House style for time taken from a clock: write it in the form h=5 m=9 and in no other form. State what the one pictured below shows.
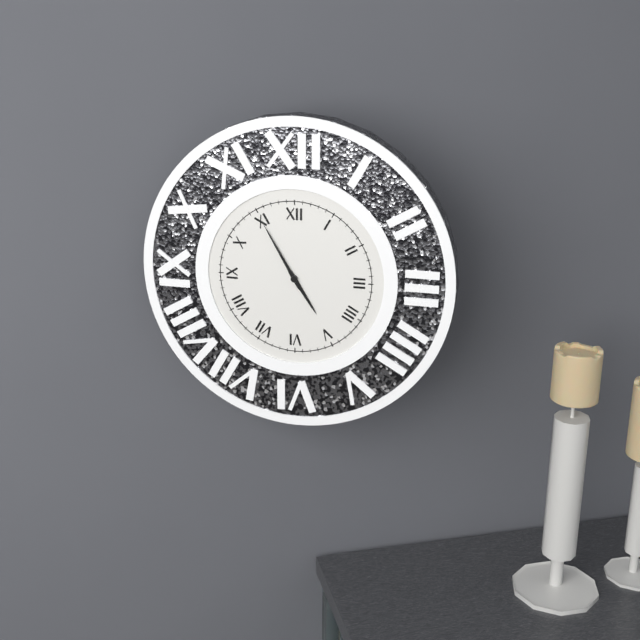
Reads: h=4 m=55
